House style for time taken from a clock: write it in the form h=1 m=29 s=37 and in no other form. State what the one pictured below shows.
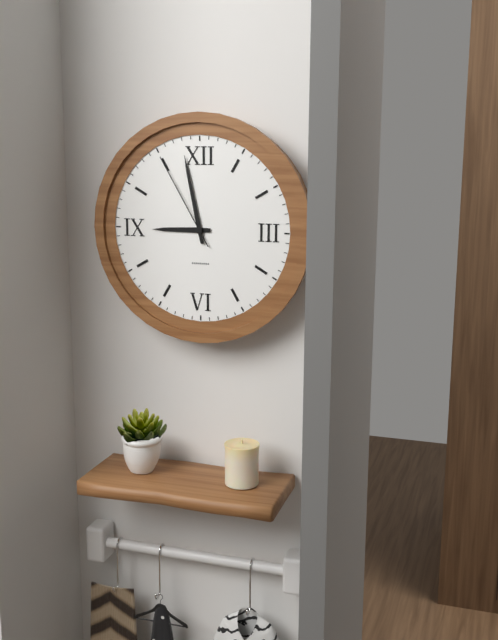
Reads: h=8 m=58 s=55
